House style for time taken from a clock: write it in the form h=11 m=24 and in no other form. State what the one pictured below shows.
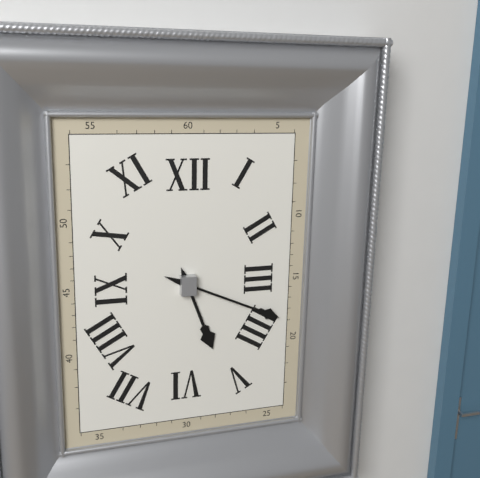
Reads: h=5 m=19
